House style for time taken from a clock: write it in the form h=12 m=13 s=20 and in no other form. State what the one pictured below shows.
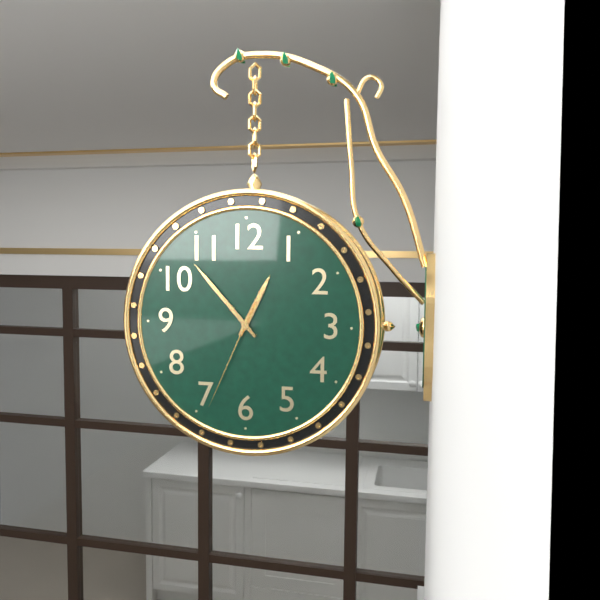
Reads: h=12 m=53 s=34
